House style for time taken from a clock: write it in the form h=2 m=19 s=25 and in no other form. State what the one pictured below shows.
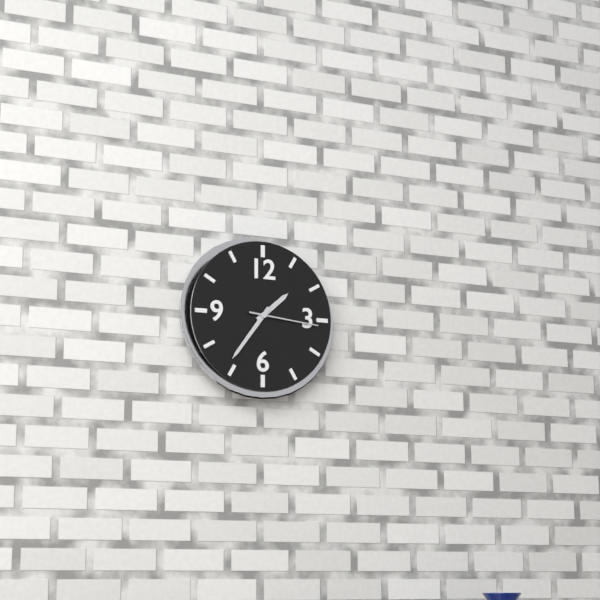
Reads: h=1 m=36 s=16
